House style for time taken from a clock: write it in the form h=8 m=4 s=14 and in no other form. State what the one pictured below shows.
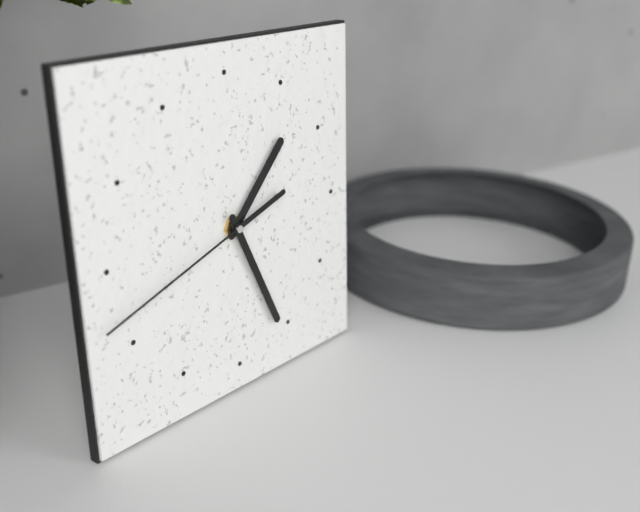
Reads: h=1 m=26 s=42
